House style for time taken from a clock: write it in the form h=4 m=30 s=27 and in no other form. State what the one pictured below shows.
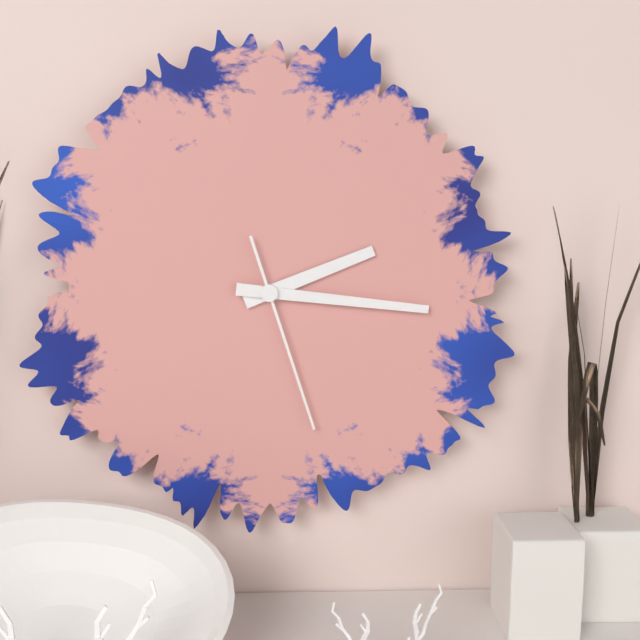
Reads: h=2 m=16 s=27
